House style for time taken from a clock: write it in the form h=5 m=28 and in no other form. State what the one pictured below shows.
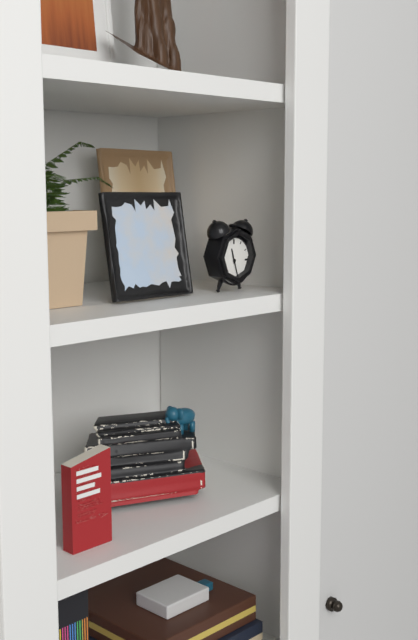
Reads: h=11 m=27
